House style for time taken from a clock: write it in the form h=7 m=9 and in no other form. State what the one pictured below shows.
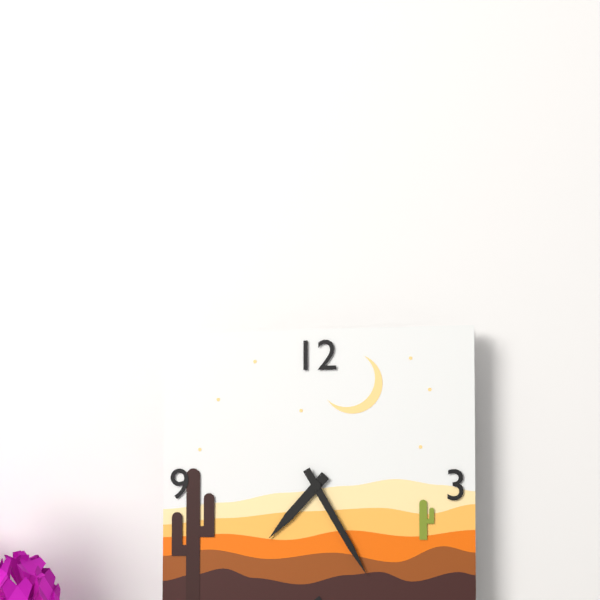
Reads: h=7 m=25
